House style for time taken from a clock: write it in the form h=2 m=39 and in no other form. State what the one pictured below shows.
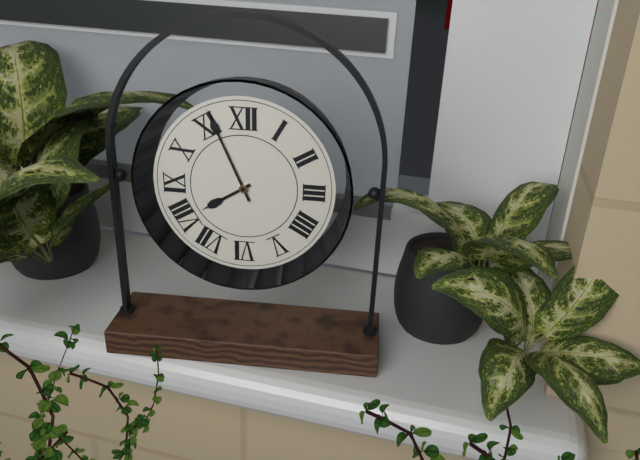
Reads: h=7 m=56
